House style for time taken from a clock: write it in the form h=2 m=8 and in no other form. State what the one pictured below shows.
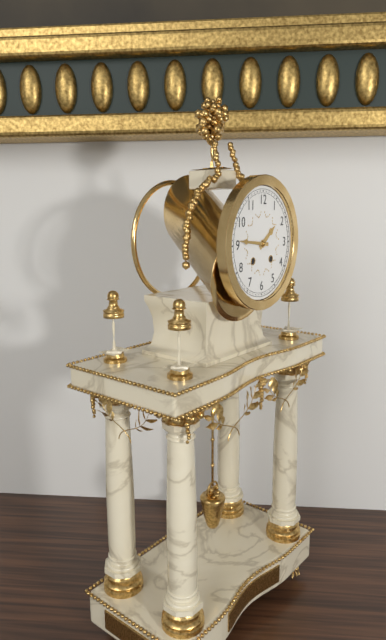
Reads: h=1 m=46
